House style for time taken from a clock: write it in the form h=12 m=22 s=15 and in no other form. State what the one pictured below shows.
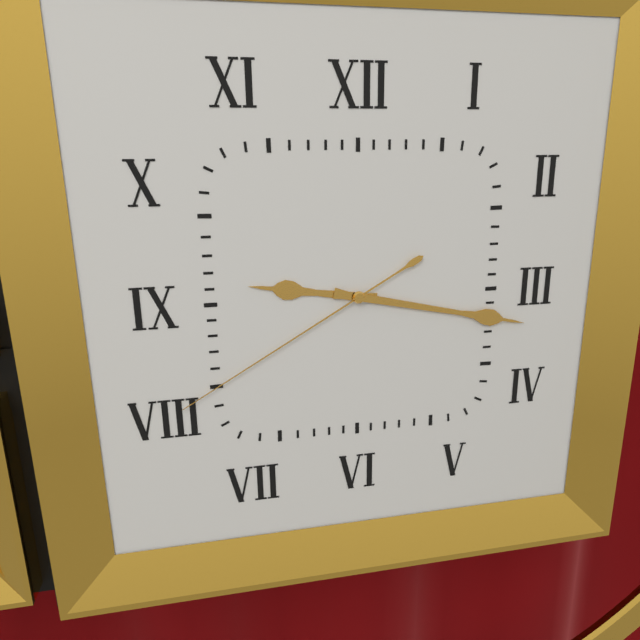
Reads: h=9 m=17 s=40
